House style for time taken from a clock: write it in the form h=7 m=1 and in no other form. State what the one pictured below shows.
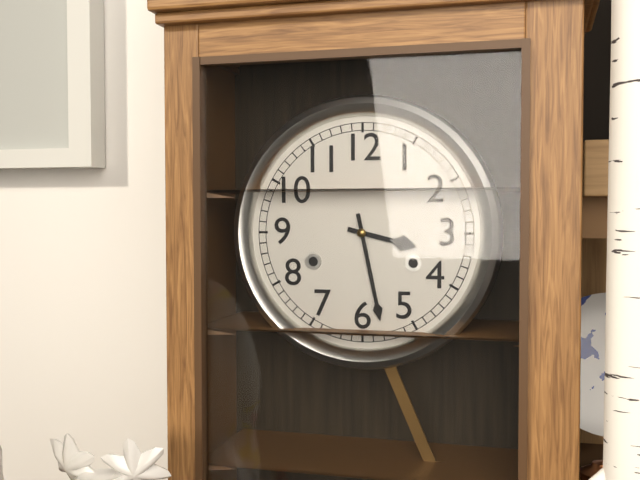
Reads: h=3 m=28
